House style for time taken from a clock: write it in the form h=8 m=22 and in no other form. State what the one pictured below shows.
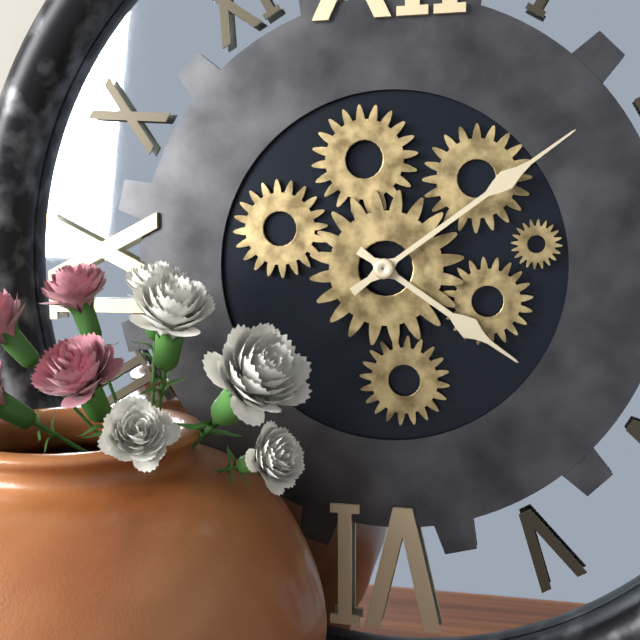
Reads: h=4 m=9
